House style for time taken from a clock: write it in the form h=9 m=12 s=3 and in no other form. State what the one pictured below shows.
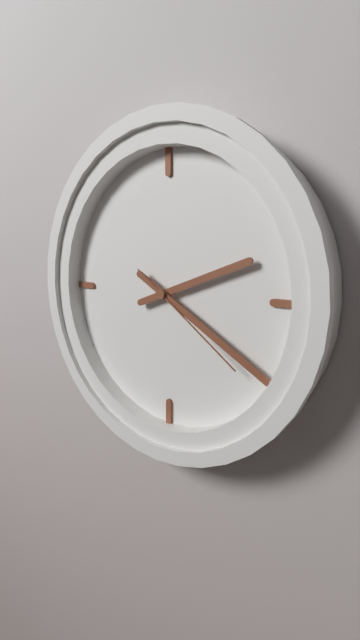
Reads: h=2 m=20 s=21
